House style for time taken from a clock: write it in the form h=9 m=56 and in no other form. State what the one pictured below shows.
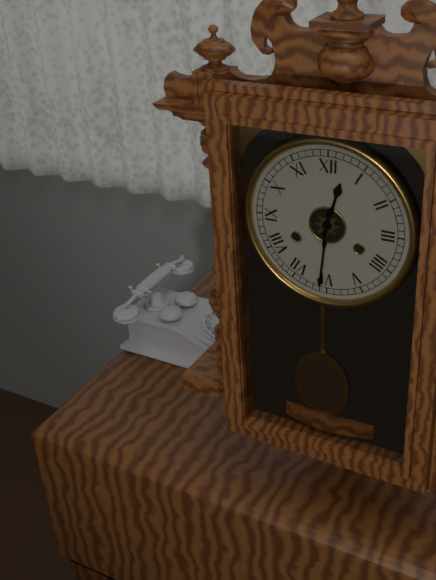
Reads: h=12 m=31
